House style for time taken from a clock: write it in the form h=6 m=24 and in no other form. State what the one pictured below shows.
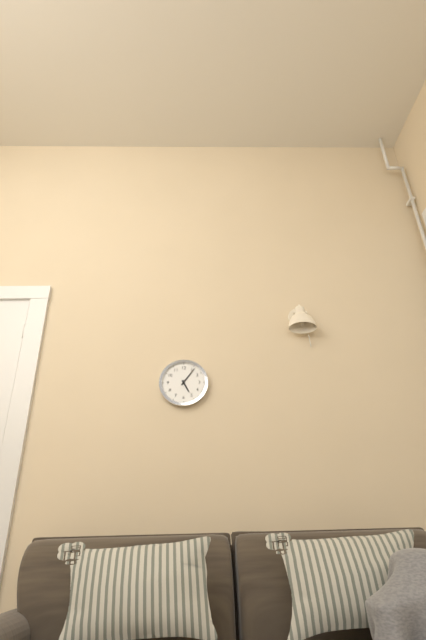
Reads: h=5 m=6
